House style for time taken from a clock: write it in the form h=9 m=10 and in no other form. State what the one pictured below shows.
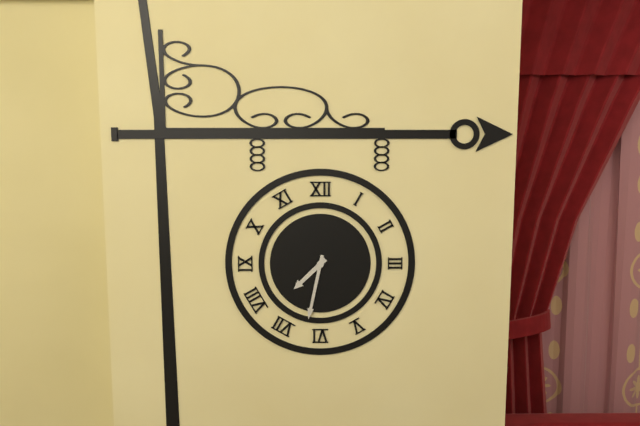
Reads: h=7 m=32
